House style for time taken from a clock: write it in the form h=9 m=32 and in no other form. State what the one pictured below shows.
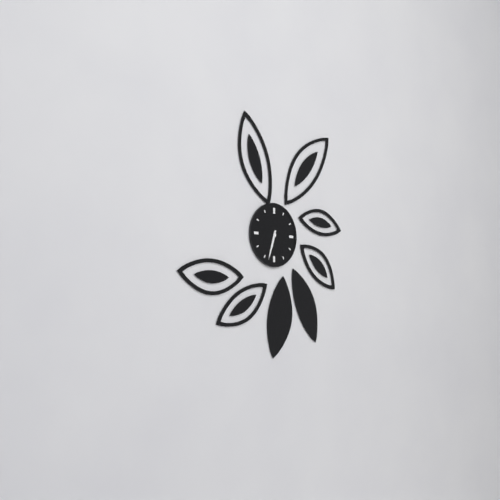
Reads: h=6 m=33
